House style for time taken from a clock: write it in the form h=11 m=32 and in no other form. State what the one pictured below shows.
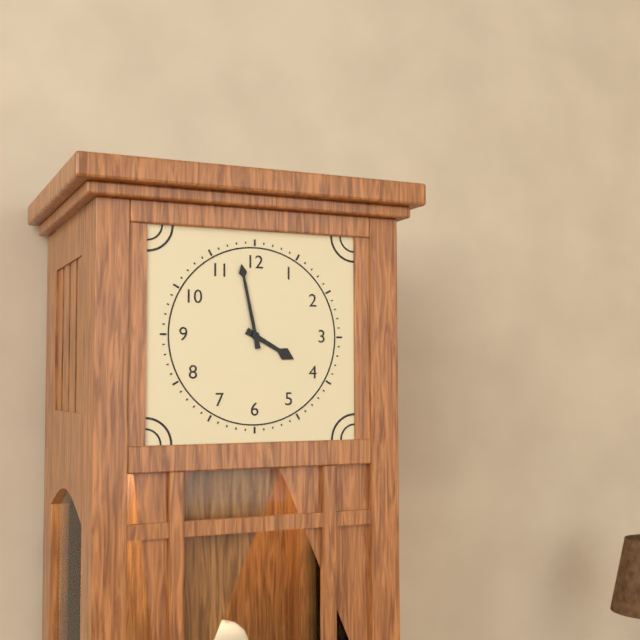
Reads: h=3 m=58
